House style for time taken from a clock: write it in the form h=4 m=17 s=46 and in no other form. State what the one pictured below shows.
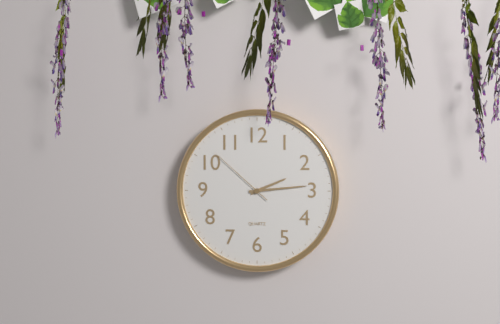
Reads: h=2 m=14 s=52
